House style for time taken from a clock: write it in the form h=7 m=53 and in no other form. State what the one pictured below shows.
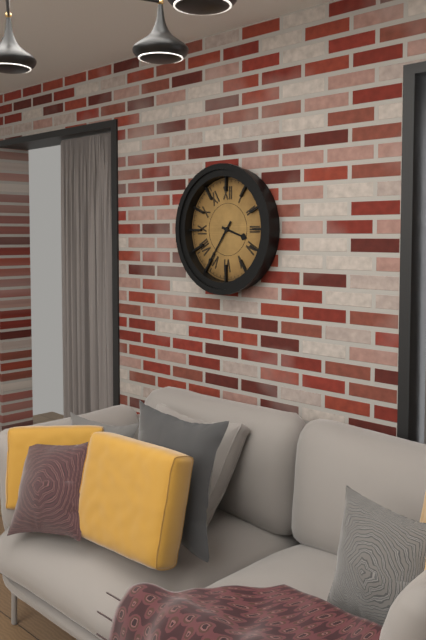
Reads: h=3 m=36
